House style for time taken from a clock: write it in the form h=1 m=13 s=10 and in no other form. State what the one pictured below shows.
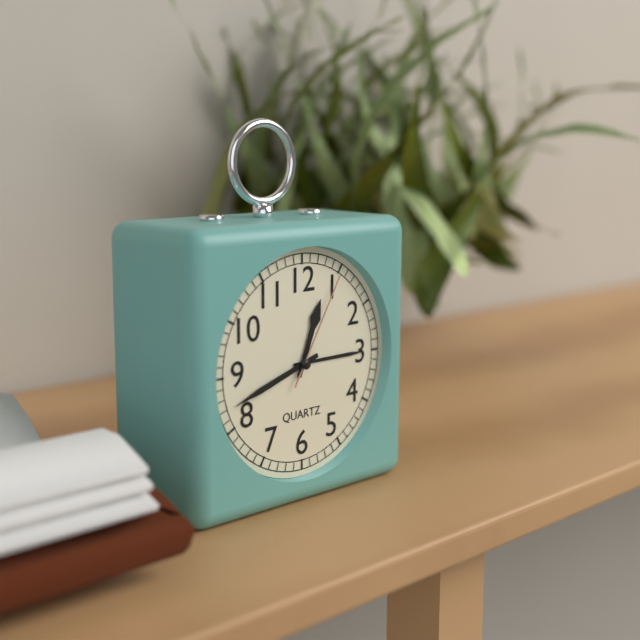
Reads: h=12 m=42 s=5
